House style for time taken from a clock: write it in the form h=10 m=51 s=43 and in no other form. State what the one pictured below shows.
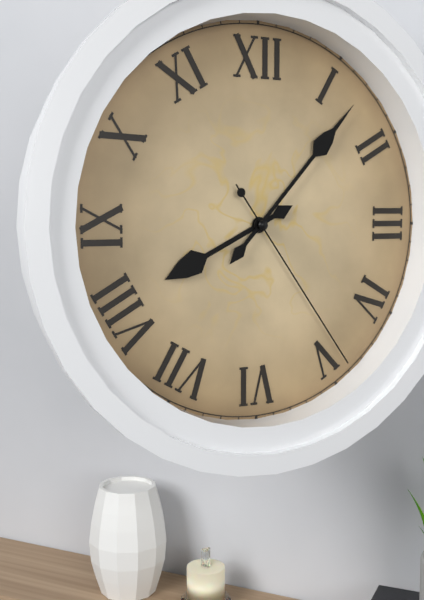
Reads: h=8 m=7 s=24
